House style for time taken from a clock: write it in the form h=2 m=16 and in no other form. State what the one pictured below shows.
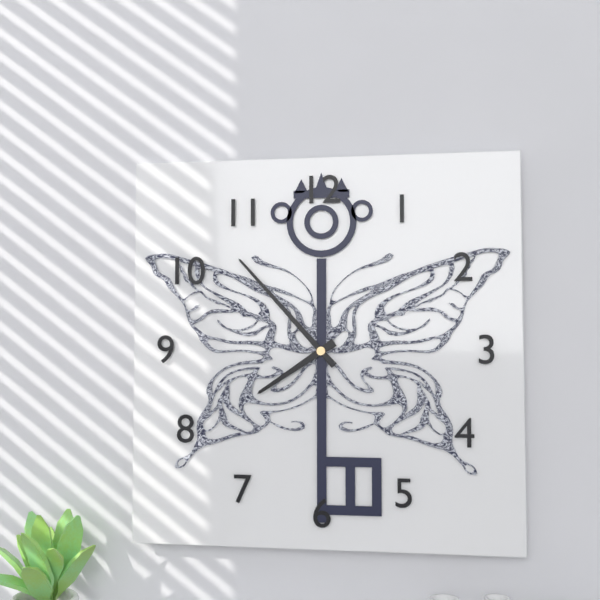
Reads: h=7 m=53
